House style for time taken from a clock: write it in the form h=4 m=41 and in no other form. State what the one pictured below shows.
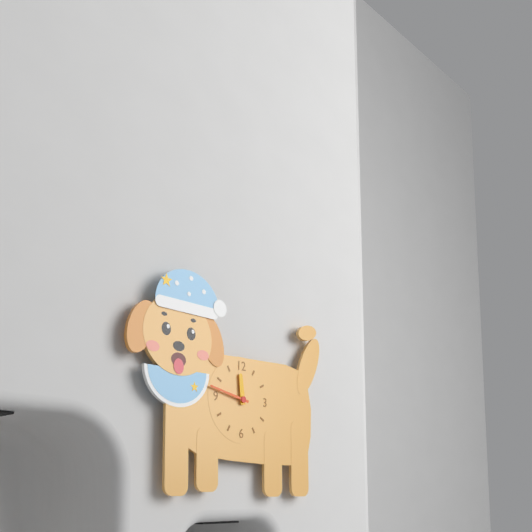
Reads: h=11 m=47
